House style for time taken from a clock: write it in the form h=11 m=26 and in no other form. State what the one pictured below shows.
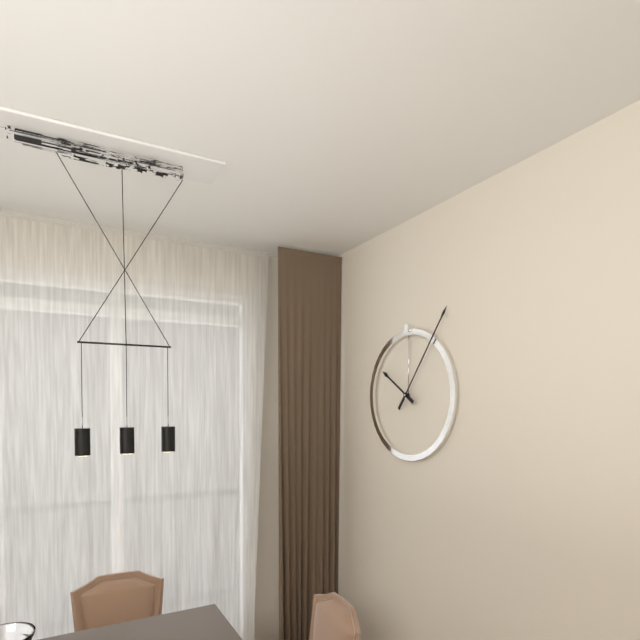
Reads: h=10 m=6
